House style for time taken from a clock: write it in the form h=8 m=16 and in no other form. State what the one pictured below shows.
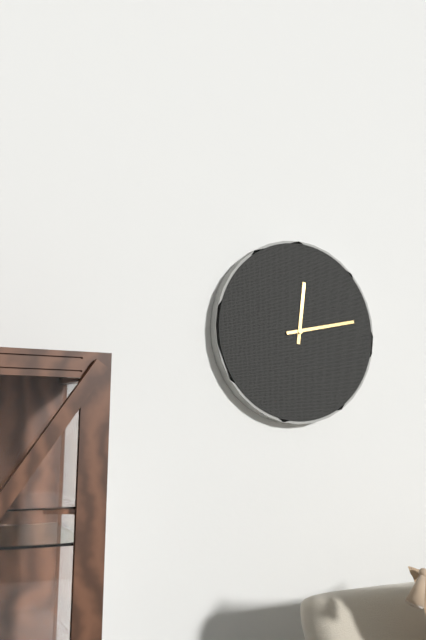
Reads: h=12 m=13
